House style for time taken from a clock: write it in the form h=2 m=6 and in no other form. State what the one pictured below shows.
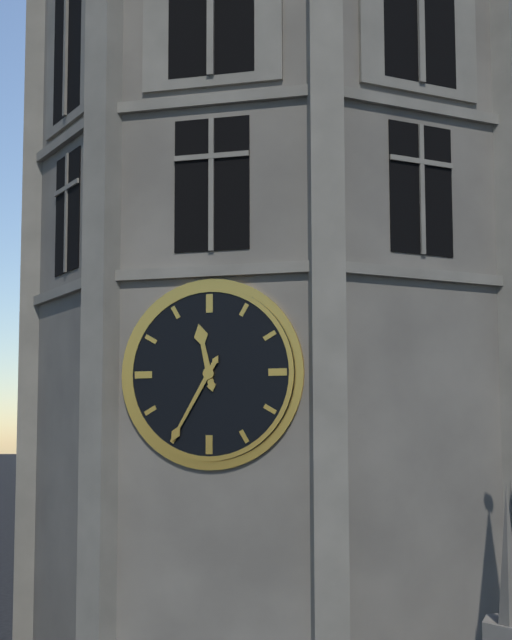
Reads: h=11 m=35
